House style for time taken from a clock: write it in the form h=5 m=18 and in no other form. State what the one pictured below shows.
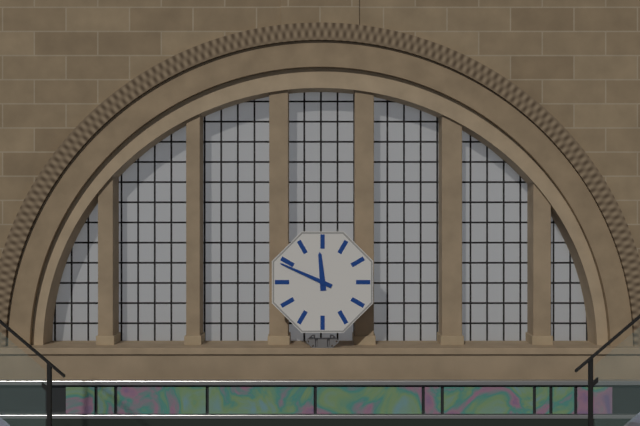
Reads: h=11 m=49
